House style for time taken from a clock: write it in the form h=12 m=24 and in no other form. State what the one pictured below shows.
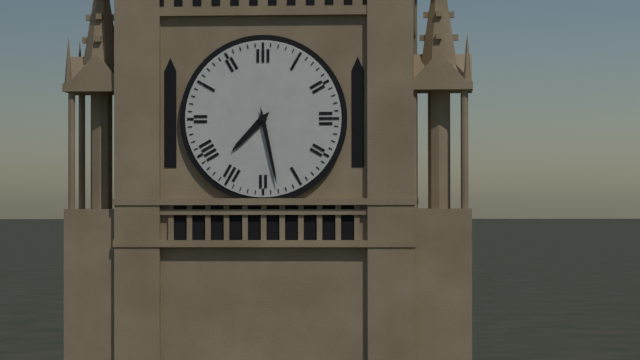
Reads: h=7 m=28
